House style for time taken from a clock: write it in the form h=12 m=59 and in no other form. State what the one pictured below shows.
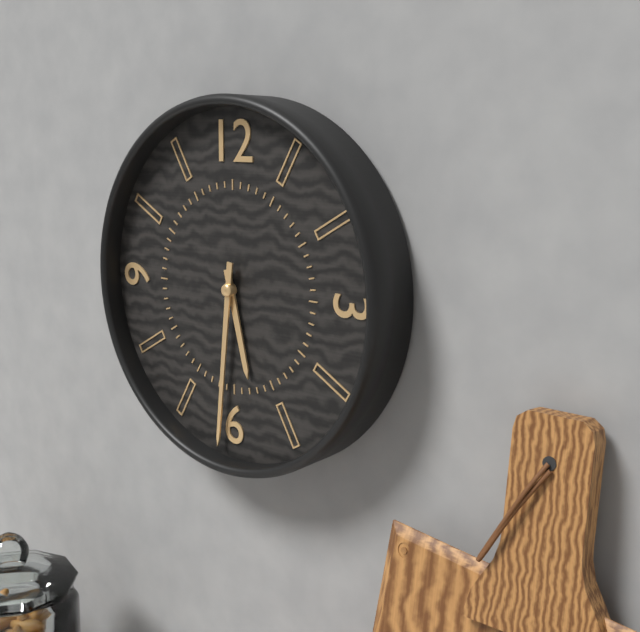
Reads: h=5 m=31
